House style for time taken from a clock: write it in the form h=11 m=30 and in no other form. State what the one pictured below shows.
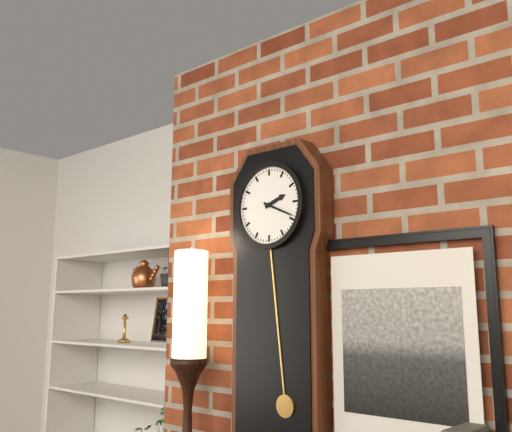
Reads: h=2 m=19
